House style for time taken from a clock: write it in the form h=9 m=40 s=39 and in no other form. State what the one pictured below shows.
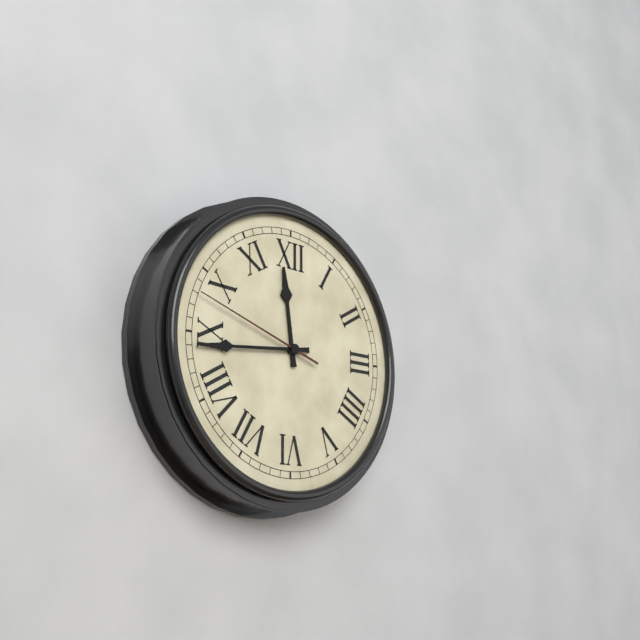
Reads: h=11 m=44 s=48
